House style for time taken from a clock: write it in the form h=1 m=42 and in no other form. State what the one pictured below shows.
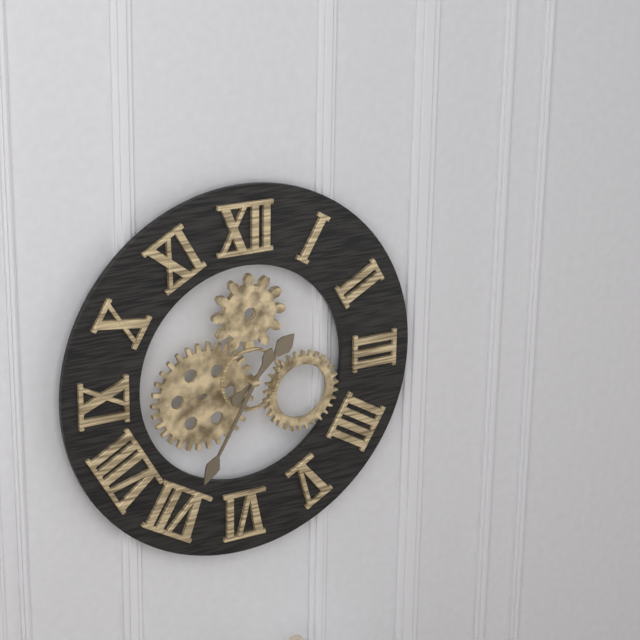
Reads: h=1 m=35
